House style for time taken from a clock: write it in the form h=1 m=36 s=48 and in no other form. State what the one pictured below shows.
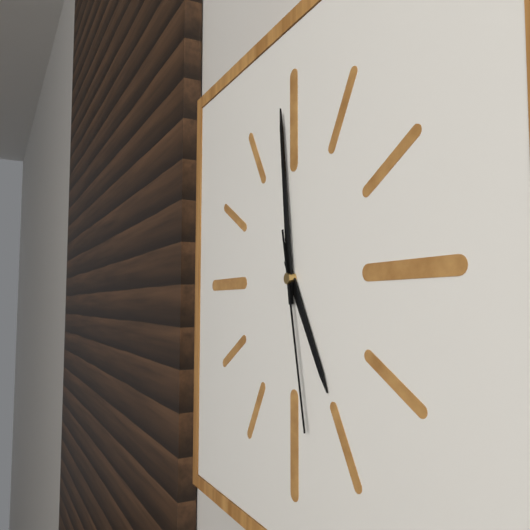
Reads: h=4 m=59 s=28
